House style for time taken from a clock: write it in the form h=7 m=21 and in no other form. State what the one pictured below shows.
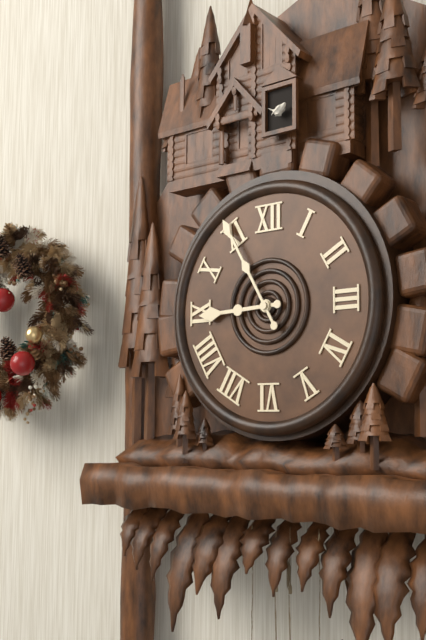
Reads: h=8 m=55
